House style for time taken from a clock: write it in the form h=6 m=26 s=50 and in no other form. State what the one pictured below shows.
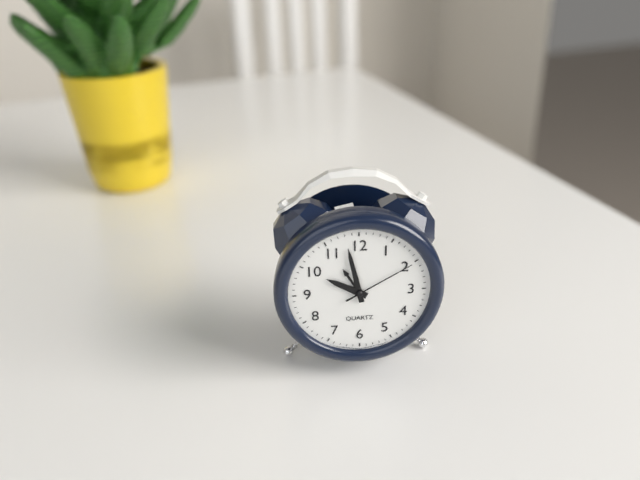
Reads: h=9 m=58 s=10
